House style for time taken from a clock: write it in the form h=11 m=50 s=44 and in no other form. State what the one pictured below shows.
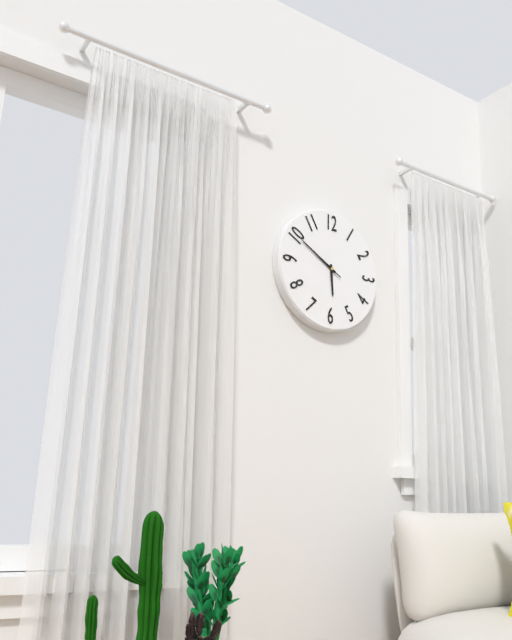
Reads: h=5 m=50 s=50
